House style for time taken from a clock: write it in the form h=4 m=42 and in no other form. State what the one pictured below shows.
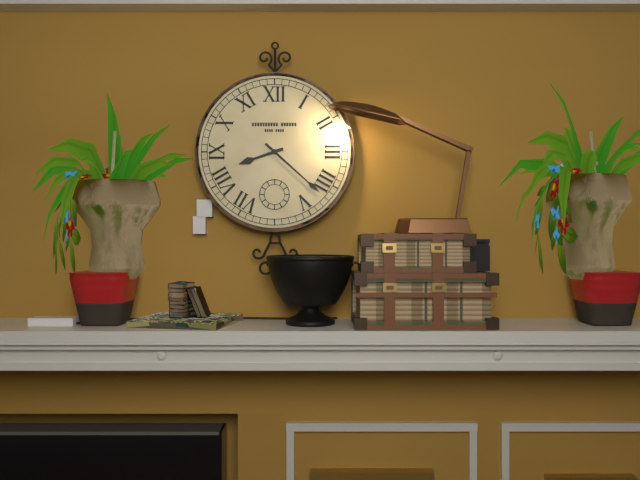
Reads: h=8 m=22
